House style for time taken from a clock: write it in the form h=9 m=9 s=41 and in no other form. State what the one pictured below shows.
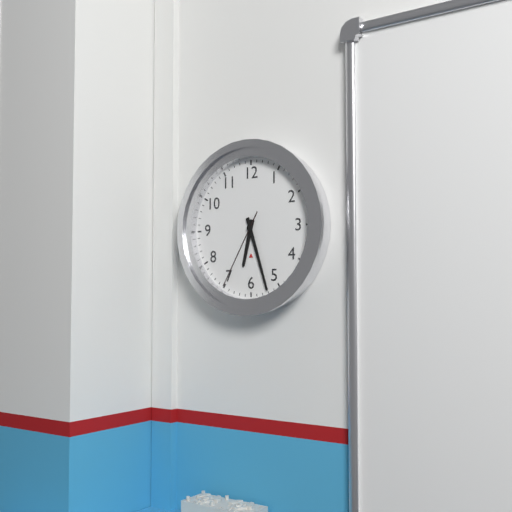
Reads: h=6 m=27 s=35
